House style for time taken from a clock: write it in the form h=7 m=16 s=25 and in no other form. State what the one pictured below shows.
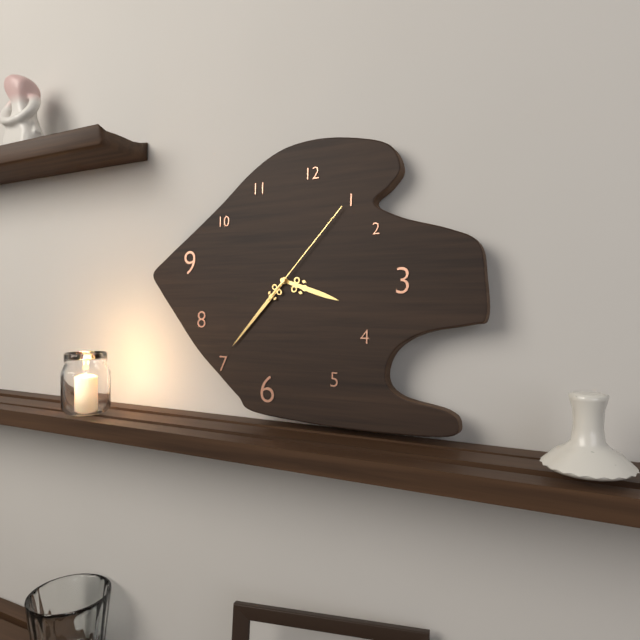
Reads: h=3 m=37 s=7
